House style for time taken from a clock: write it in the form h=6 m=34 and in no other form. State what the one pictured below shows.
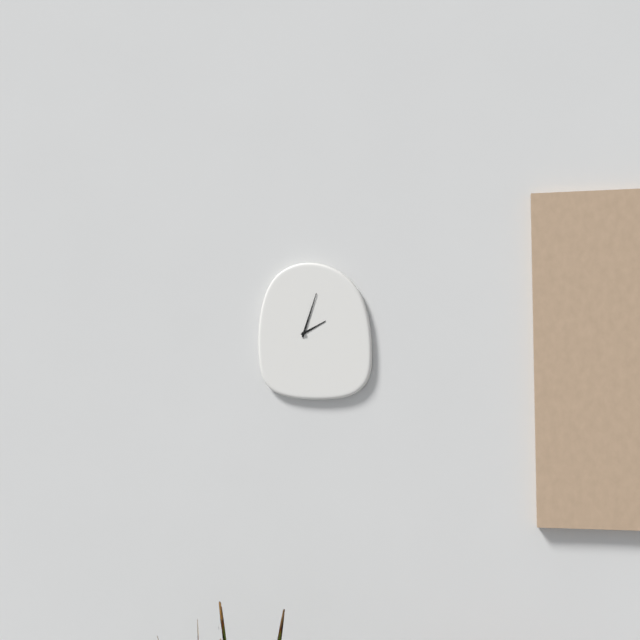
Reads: h=2 m=3
